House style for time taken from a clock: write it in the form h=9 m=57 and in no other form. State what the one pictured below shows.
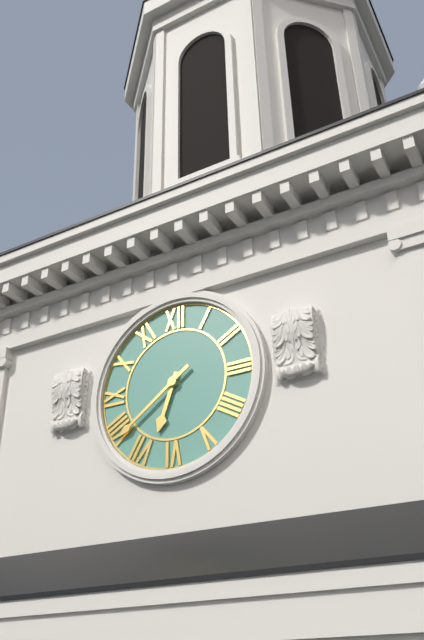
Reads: h=6 m=39
